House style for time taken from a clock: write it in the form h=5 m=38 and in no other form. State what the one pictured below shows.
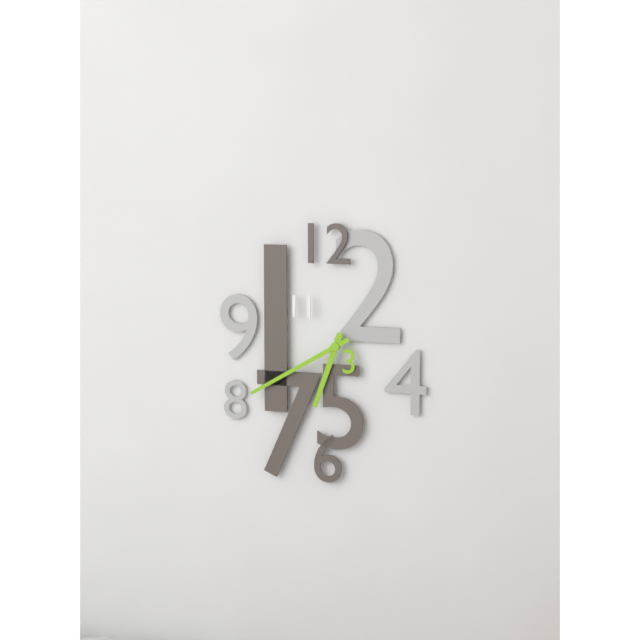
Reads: h=6 m=40
